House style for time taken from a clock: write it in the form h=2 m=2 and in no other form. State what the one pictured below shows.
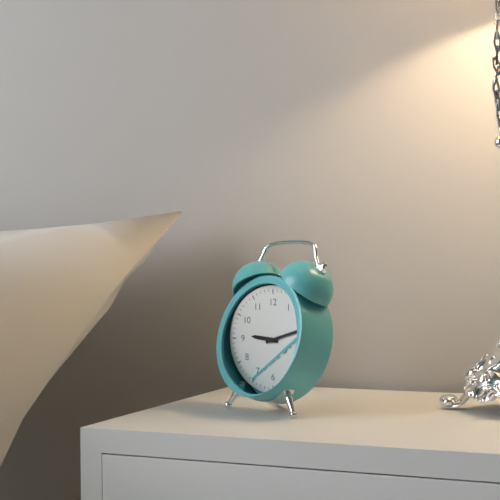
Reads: h=9 m=12
